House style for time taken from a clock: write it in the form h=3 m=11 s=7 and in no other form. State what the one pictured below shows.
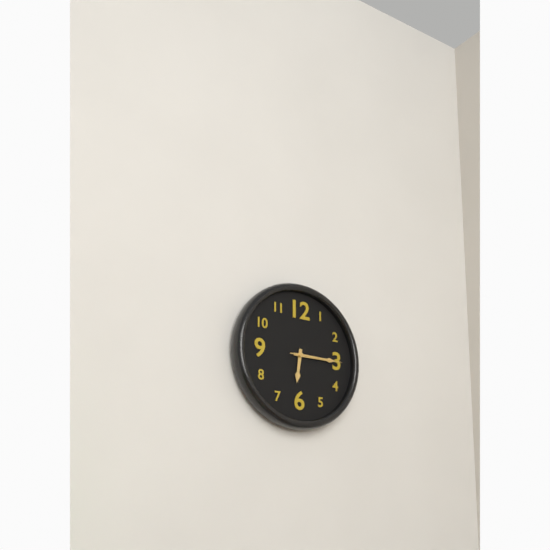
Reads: h=6 m=15 s=15
